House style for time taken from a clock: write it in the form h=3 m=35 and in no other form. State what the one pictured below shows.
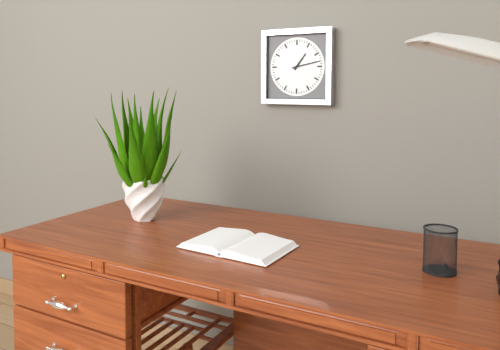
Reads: h=1 m=13
